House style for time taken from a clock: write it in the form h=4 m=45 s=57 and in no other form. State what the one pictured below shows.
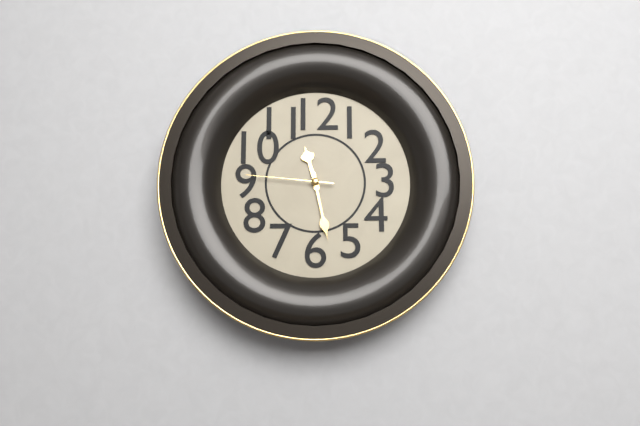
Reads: h=11 m=28 s=46
